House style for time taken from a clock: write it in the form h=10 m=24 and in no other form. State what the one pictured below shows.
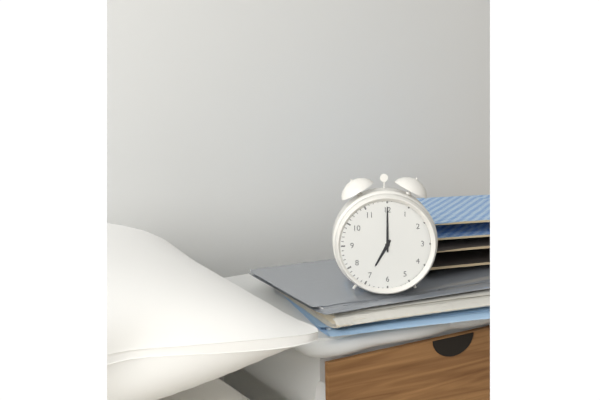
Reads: h=7 m=0
